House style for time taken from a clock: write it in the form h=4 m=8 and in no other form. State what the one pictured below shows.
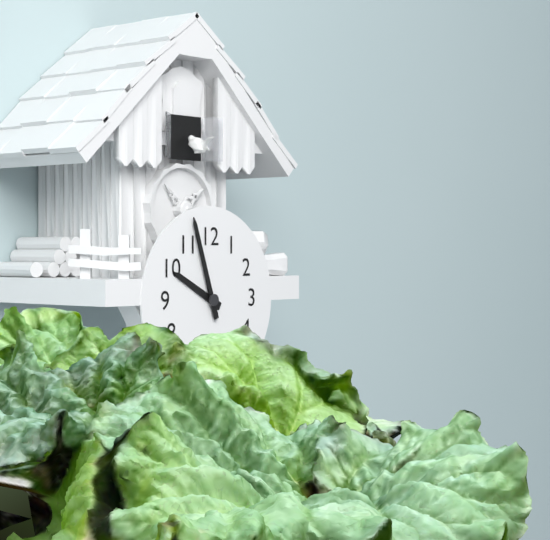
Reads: h=9 m=57
